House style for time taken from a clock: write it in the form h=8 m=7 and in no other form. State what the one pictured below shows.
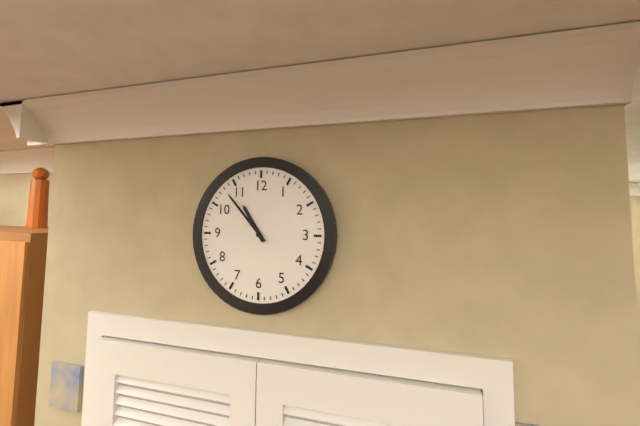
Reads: h=10 m=53
